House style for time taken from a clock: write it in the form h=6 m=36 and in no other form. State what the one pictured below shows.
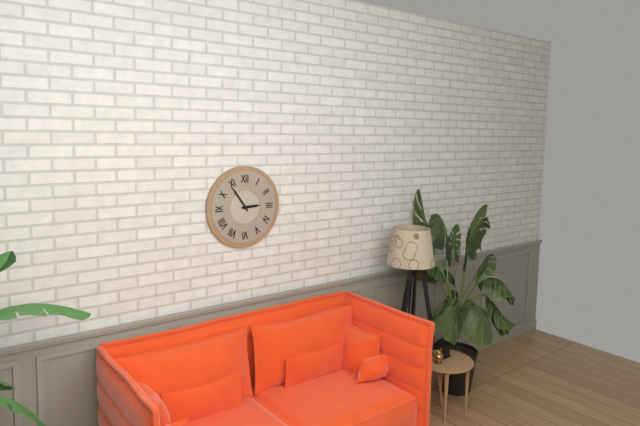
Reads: h=2 m=54
